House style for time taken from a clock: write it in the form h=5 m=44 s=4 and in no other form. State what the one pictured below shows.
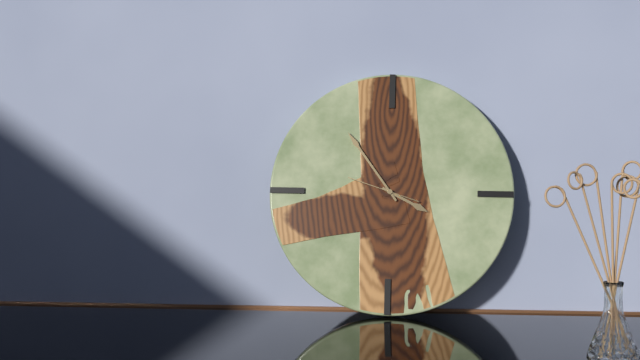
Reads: h=3 m=54 s=48
